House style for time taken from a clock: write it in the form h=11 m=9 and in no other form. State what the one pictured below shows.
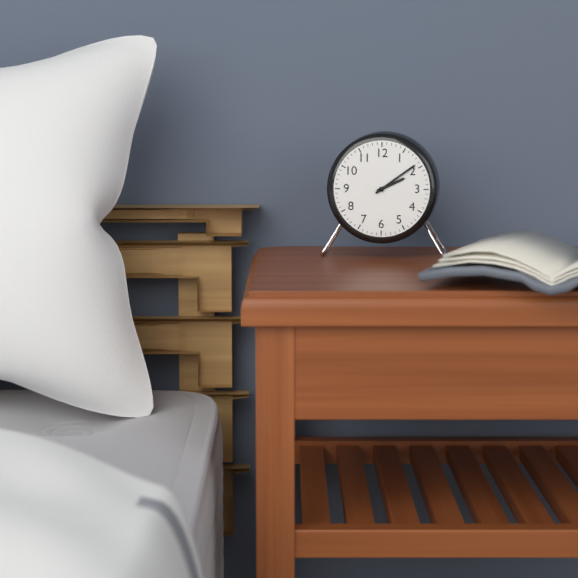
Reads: h=2 m=9
